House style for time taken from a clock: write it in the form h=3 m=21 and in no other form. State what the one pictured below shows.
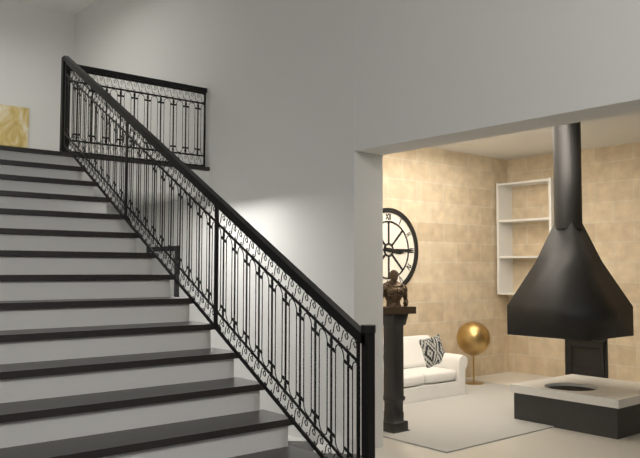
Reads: h=3 m=15
